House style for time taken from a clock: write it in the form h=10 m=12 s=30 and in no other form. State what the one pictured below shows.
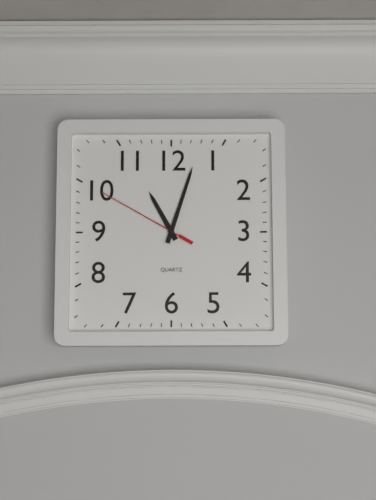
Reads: h=11 m=3 s=50
